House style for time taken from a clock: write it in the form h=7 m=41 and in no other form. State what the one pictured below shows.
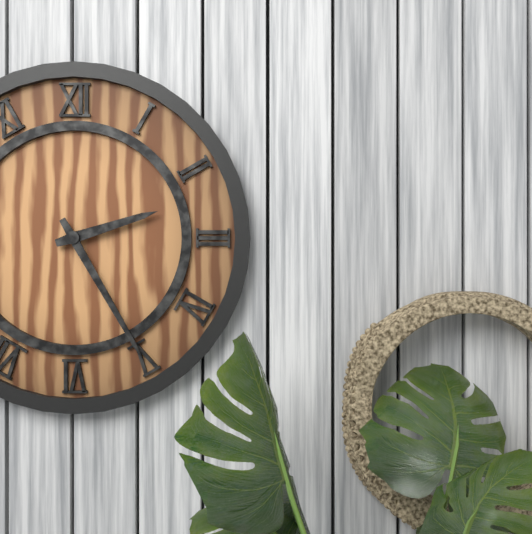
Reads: h=2 m=25
